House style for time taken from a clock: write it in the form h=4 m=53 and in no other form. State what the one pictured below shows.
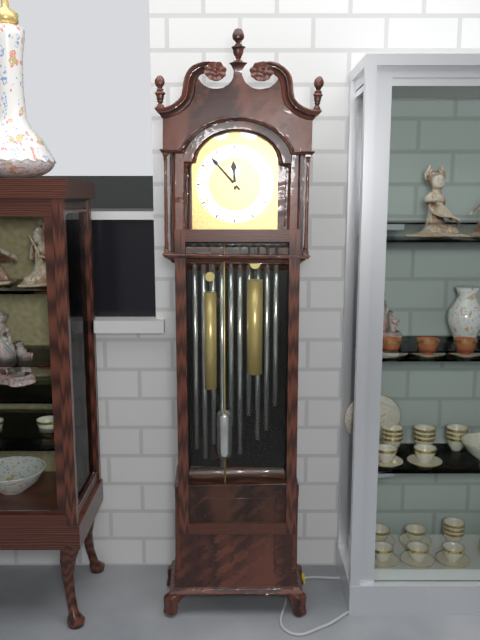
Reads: h=11 m=53
